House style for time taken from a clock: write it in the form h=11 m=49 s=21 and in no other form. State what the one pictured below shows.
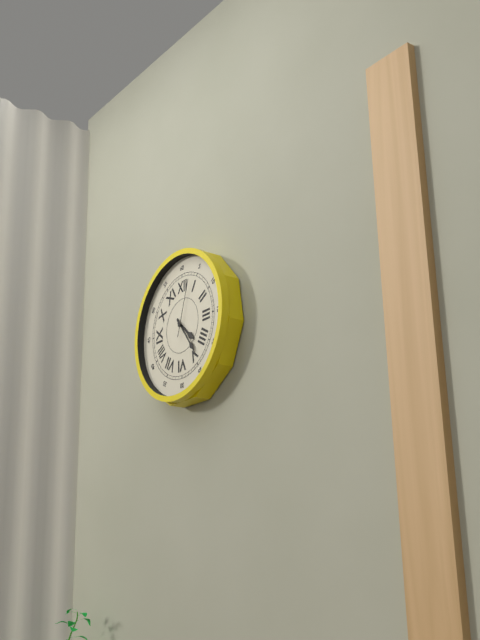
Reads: h=4 m=24 s=3
